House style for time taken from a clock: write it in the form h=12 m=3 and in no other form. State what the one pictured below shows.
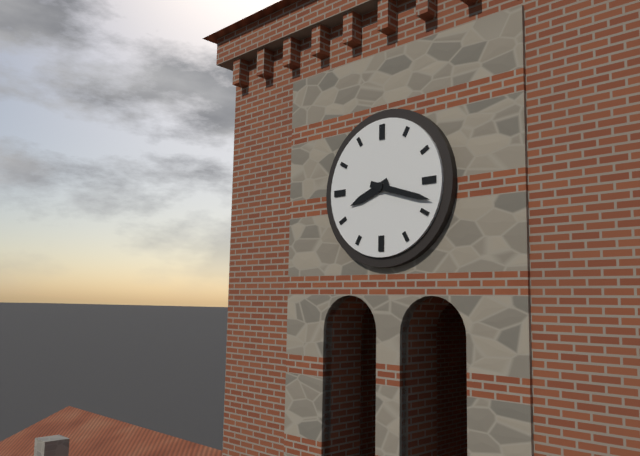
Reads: h=8 m=18
